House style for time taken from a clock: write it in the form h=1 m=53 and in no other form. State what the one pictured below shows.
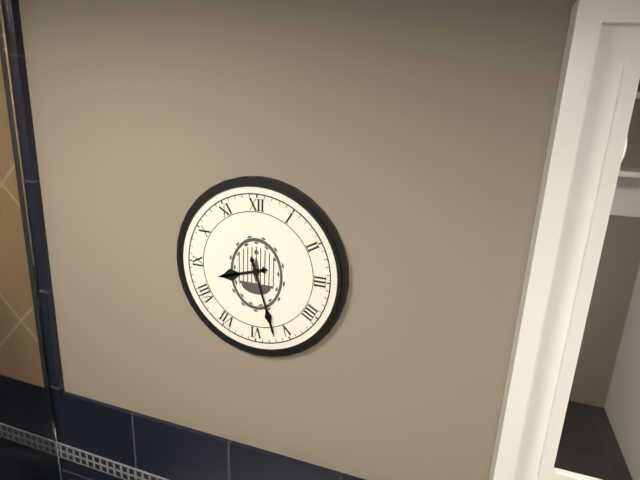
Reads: h=8 m=27
